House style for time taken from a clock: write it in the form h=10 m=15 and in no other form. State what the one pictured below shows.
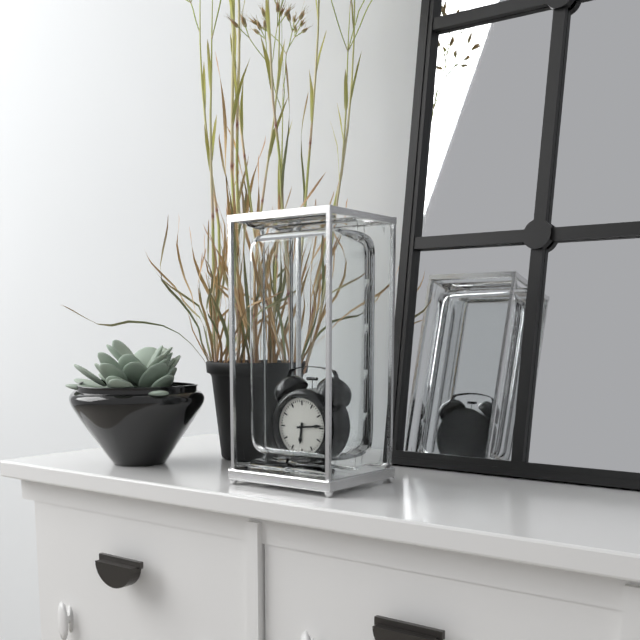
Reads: h=6 m=14
